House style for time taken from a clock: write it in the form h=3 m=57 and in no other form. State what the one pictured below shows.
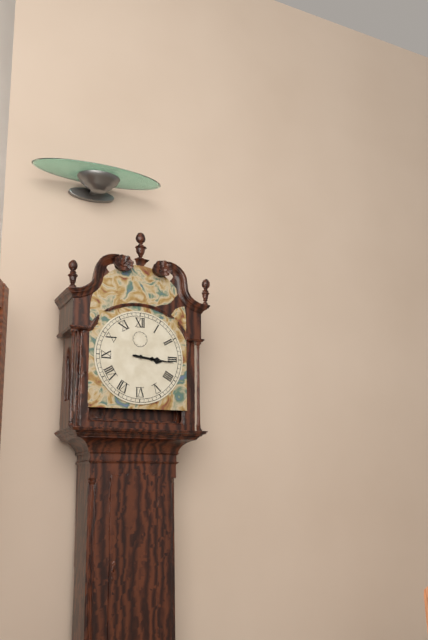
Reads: h=3 m=16
